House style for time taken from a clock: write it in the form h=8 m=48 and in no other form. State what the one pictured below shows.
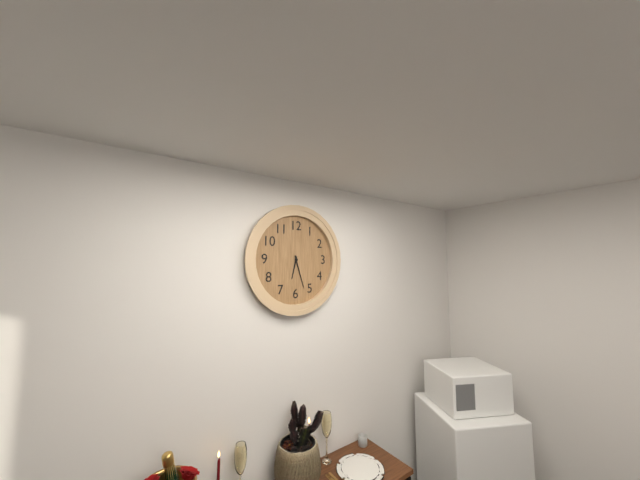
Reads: h=6 m=27
